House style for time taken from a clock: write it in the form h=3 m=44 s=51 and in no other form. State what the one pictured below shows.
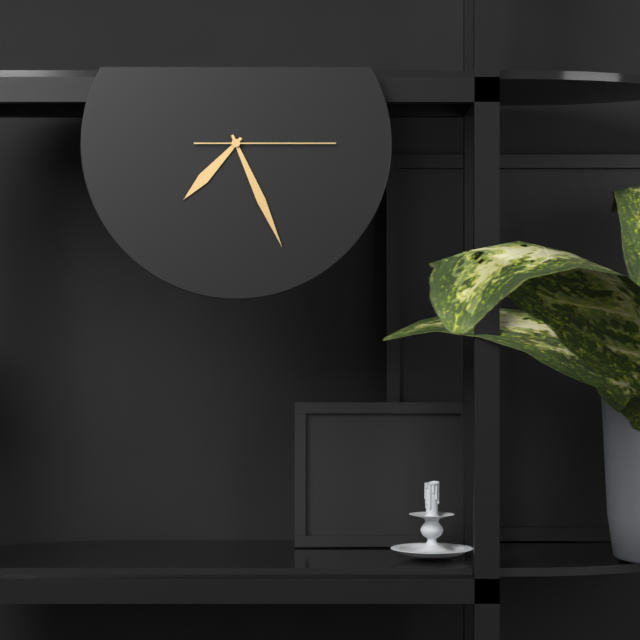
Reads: h=7 m=26 s=15
